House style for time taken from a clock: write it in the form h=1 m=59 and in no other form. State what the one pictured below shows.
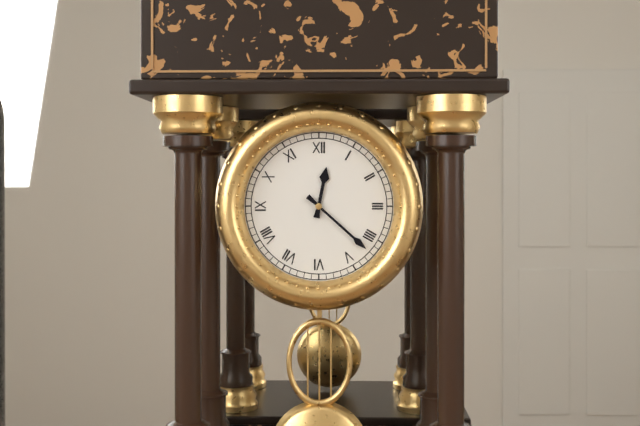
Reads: h=12 m=22
